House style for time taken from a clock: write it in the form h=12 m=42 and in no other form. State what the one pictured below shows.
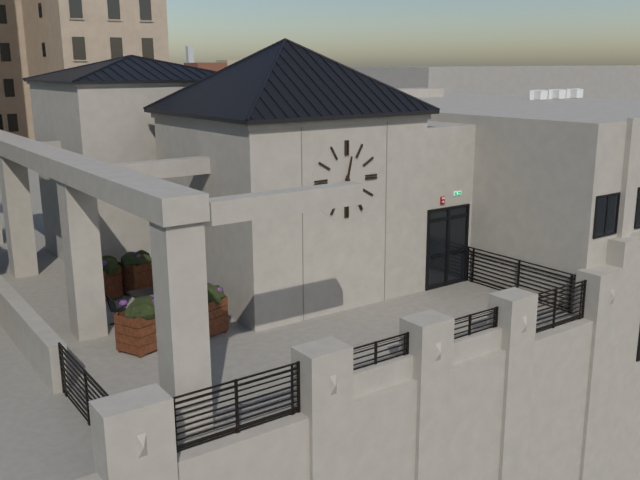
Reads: h=12 m=25
